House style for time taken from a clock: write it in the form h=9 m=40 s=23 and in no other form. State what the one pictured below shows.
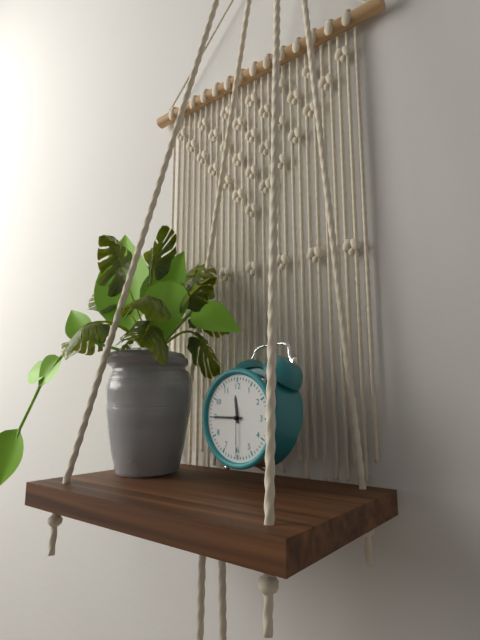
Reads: h=11 m=45 s=30
